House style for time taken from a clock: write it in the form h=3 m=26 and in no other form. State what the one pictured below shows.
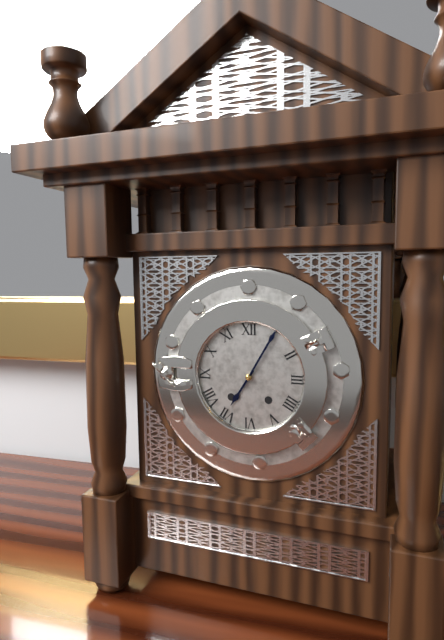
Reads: h=7 m=5
